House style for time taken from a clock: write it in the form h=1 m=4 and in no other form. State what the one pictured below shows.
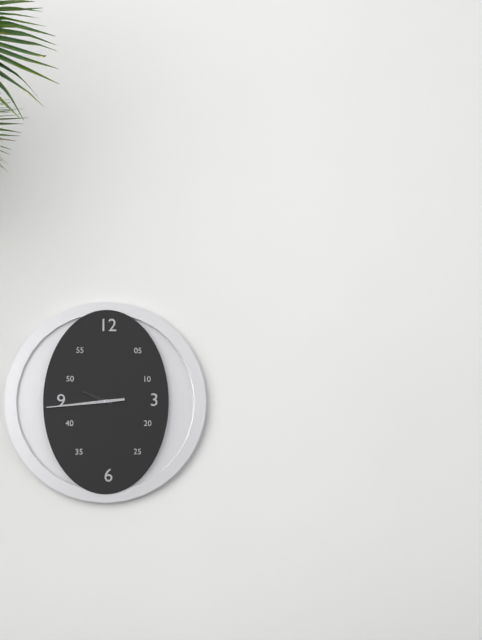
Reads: h=9 m=44
